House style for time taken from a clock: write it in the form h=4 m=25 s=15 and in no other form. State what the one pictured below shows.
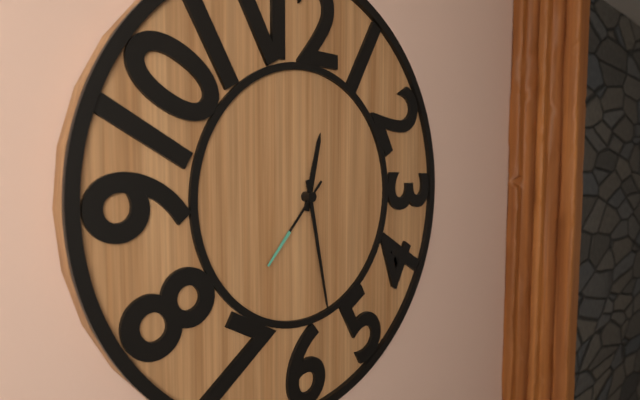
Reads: h=12 m=28 s=37
